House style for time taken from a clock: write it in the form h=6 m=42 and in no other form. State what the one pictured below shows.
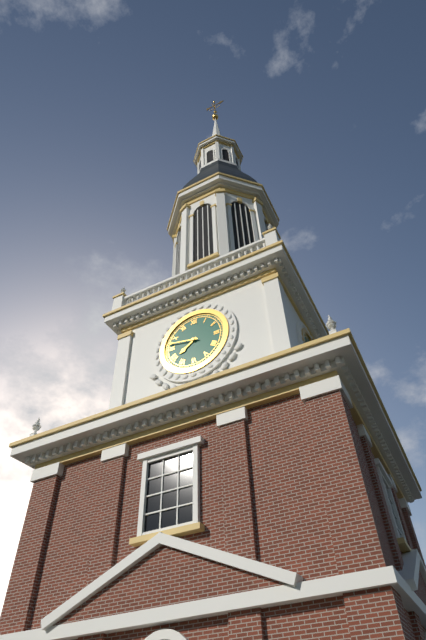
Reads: h=7 m=47
